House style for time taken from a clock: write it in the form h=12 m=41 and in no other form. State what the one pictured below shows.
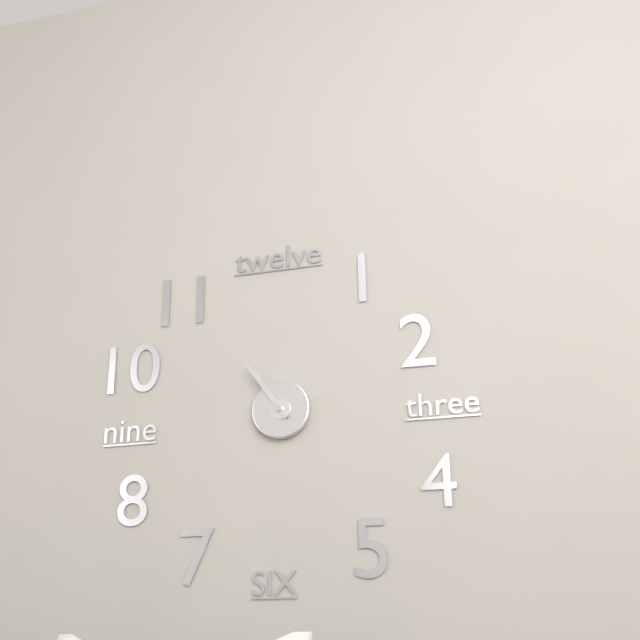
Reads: h=10 m=54
